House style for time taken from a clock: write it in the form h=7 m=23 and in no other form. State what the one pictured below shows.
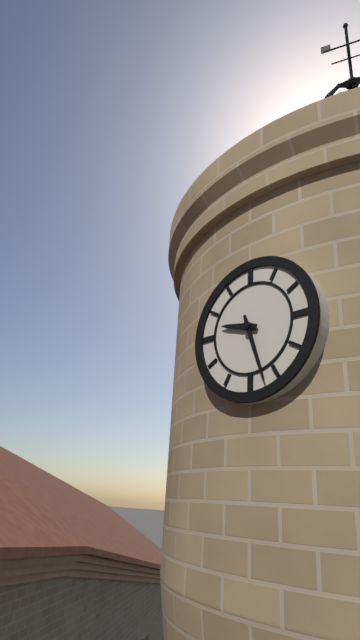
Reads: h=9 m=27
